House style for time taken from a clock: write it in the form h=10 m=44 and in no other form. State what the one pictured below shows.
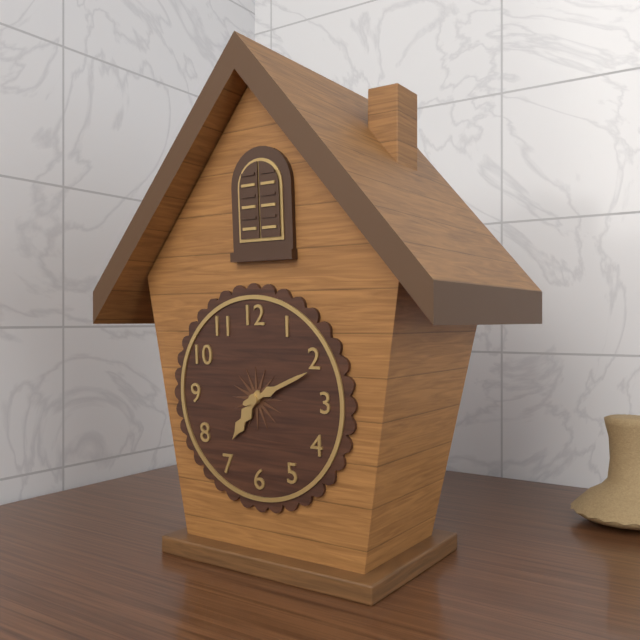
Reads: h=7 m=11
